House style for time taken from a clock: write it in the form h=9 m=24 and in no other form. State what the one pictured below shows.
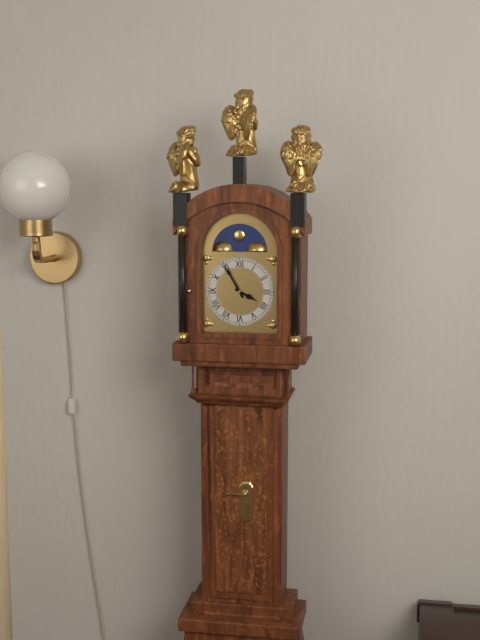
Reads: h=3 m=55
